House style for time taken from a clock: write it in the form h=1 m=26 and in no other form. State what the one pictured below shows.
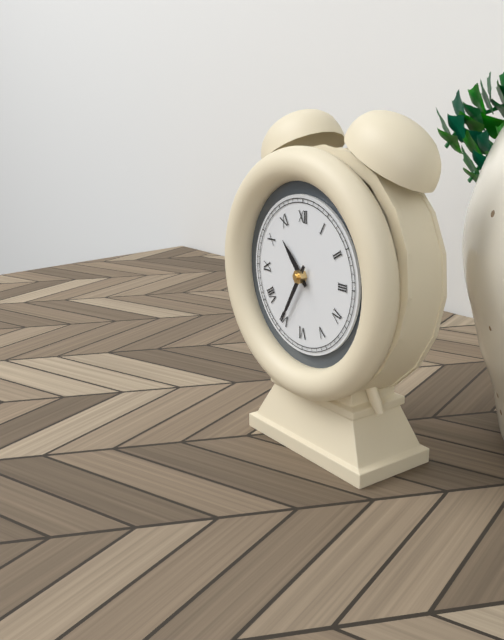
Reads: h=10 m=35
